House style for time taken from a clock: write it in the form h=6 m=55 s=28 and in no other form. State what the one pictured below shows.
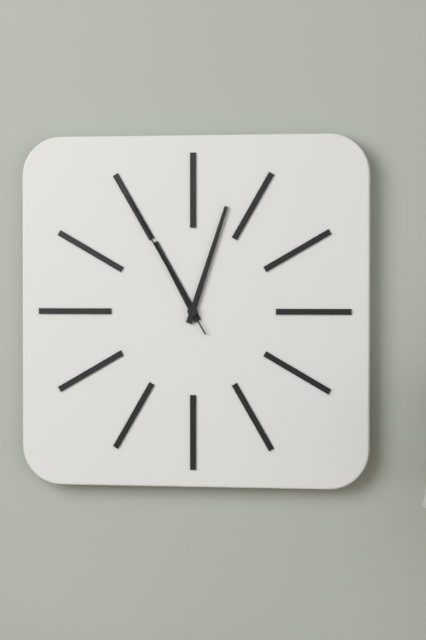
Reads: h=11 m=3 s=55
